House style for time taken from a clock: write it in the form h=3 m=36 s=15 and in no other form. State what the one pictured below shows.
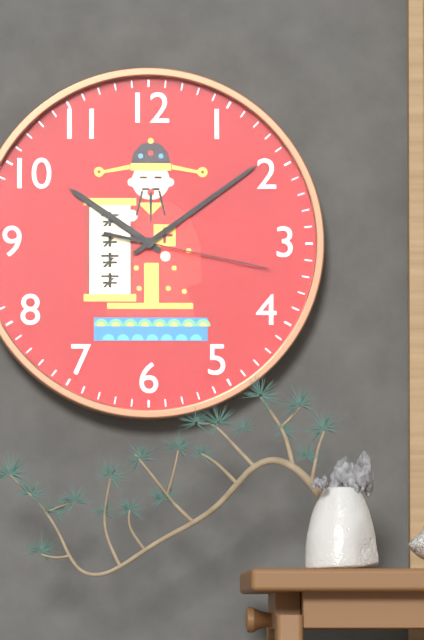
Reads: h=10 m=9 s=17
